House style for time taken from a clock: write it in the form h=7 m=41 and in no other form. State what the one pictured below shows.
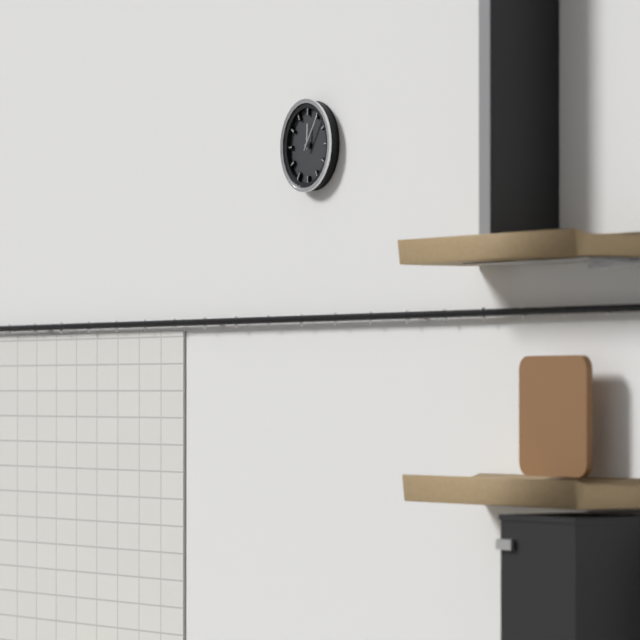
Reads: h=12 m=6
